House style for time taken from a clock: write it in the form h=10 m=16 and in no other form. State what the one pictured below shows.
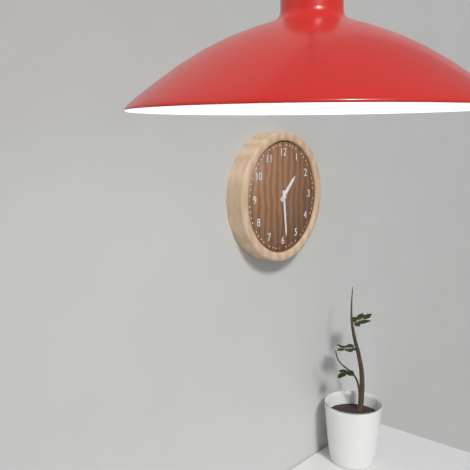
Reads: h=1 m=29
